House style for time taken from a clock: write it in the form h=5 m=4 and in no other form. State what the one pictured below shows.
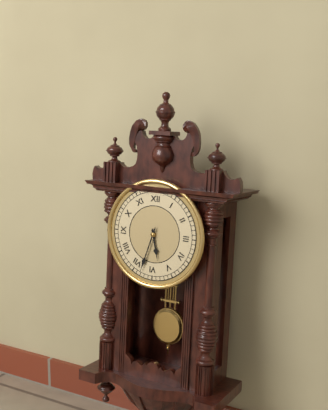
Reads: h=5 m=33
